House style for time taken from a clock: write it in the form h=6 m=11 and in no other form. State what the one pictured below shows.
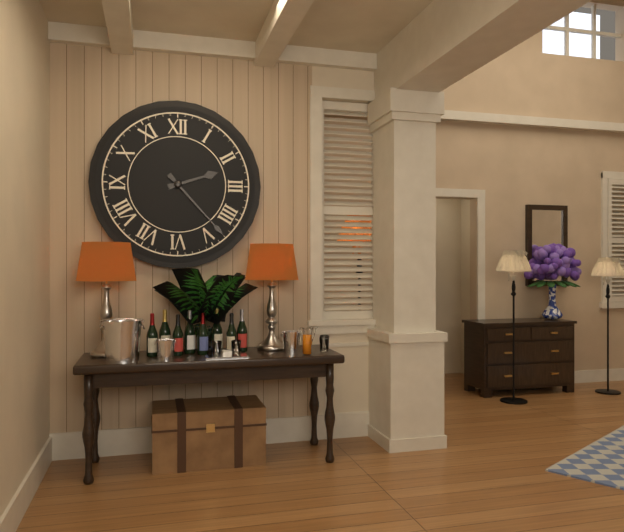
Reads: h=2 m=23
